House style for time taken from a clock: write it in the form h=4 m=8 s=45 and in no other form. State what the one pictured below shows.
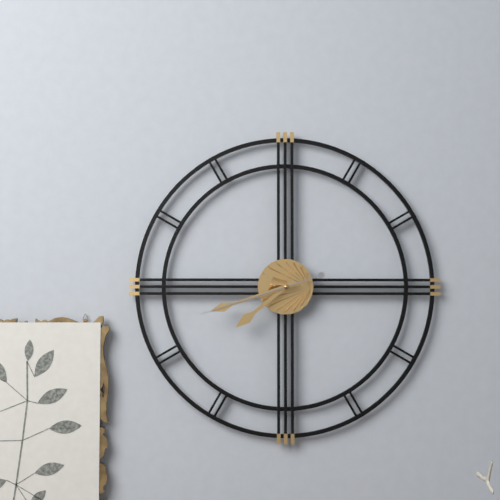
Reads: h=7 m=42 s=42
